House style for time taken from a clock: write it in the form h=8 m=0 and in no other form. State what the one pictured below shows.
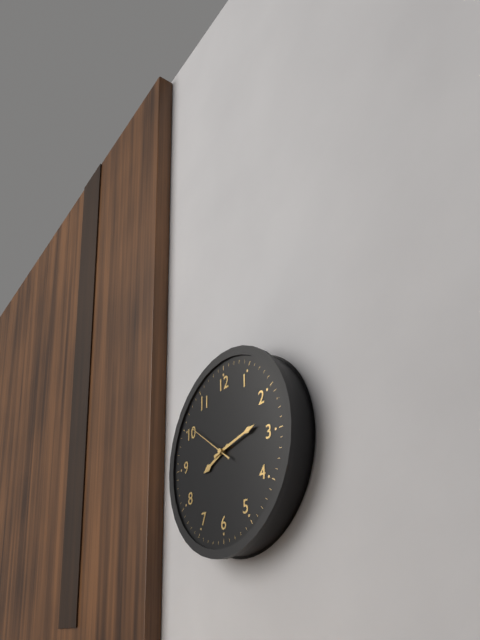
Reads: h=8 m=13
